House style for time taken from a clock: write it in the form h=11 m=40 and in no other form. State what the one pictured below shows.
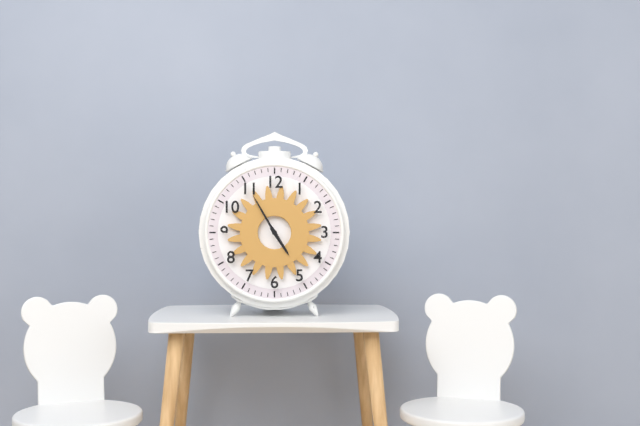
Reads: h=4 m=55
